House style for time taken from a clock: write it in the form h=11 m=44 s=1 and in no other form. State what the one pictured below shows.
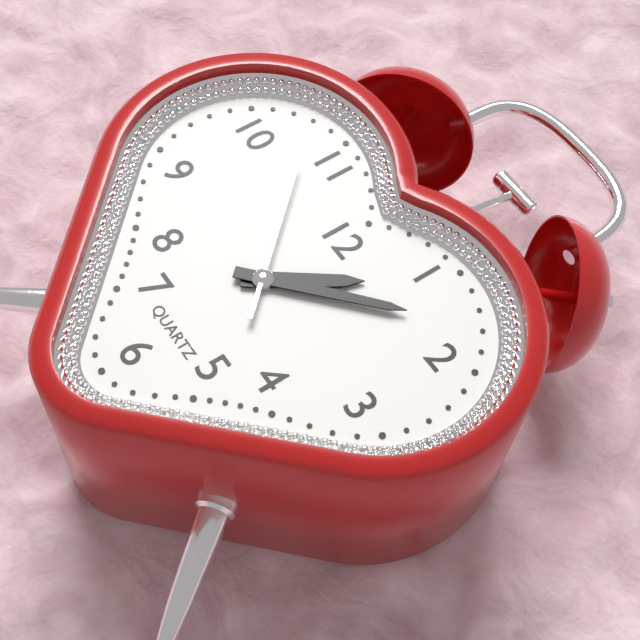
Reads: h=1 m=8 s=53
